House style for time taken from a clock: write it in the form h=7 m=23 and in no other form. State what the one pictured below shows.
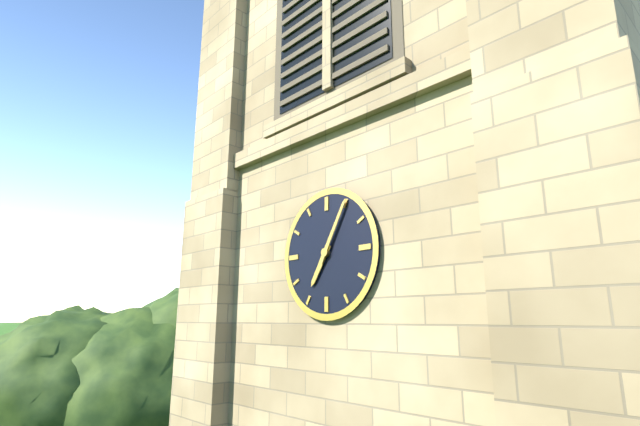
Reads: h=7 m=5
